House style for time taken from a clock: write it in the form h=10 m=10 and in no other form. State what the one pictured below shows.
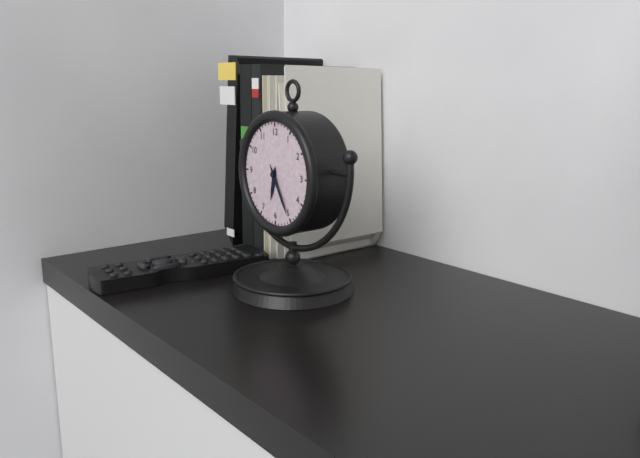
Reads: h=6 m=25
